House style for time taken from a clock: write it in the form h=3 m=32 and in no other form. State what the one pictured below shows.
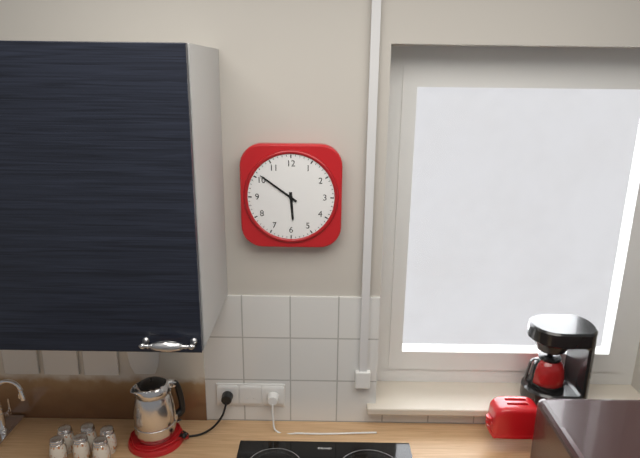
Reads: h=5 m=51
